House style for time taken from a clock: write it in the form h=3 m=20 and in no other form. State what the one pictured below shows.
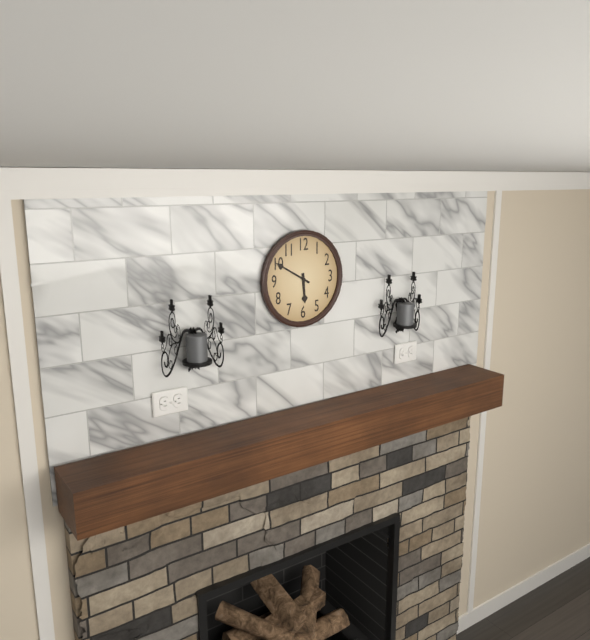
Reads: h=5 m=50
